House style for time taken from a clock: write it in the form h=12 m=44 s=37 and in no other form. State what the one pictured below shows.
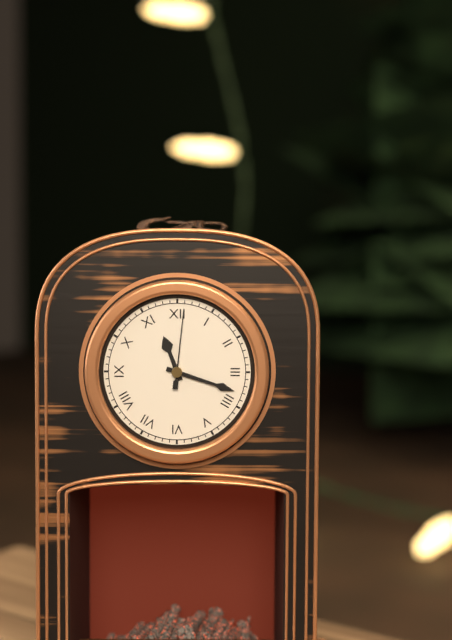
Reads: h=11 m=18 s=1
